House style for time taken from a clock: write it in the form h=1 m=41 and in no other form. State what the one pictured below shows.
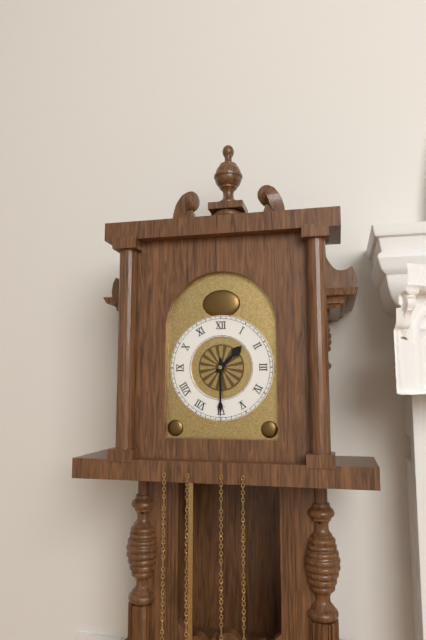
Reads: h=1 m=30
